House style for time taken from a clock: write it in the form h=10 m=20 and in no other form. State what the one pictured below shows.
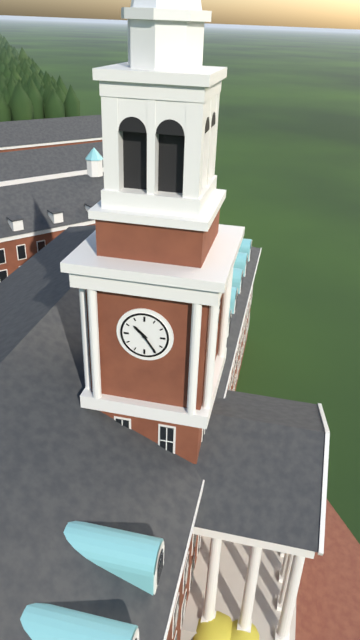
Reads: h=10 m=24
